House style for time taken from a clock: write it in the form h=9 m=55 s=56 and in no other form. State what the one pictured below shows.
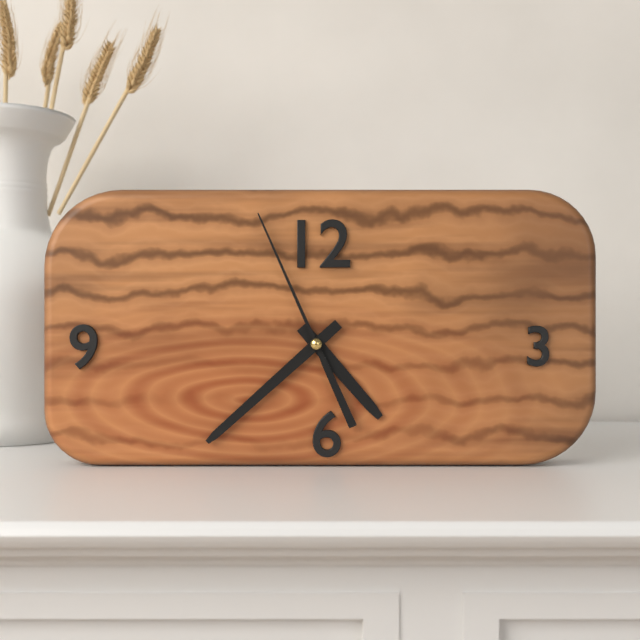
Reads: h=4 m=38 s=56
